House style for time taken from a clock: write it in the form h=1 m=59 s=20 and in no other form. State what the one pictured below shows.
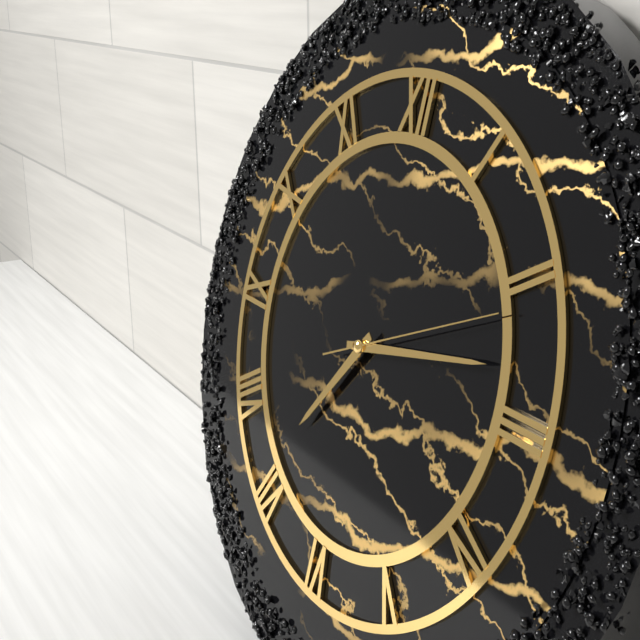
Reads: h=7 m=13 s=11
